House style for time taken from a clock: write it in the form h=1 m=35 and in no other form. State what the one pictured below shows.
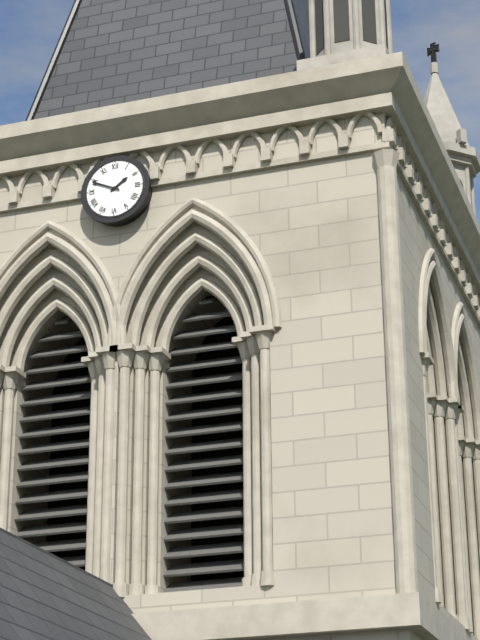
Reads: h=1 m=49
